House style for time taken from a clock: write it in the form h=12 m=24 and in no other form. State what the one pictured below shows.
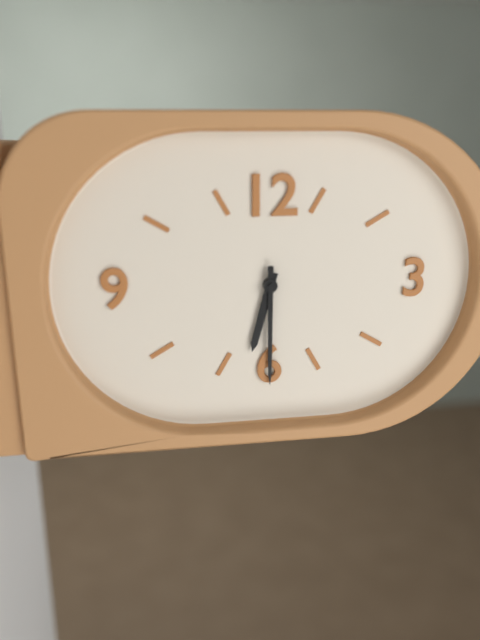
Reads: h=6 m=30
